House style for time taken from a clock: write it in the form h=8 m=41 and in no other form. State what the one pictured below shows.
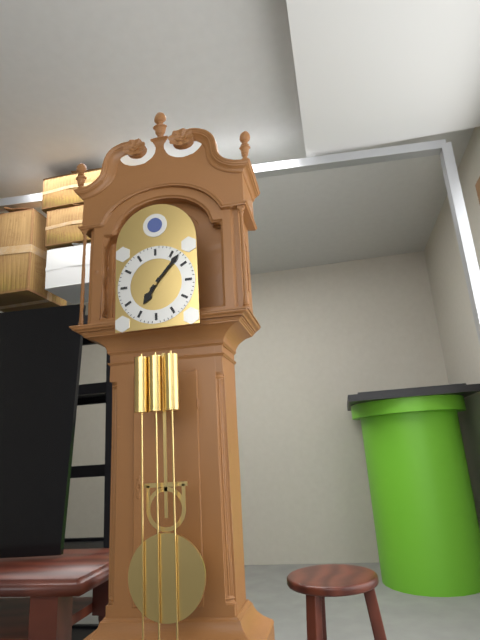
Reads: h=7 m=7
